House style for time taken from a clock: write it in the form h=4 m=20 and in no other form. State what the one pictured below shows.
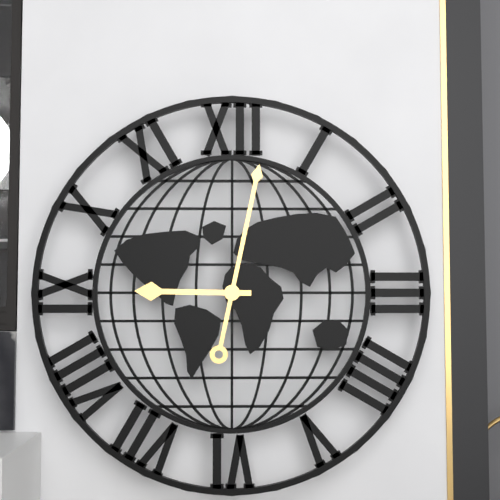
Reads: h=9 m=2
